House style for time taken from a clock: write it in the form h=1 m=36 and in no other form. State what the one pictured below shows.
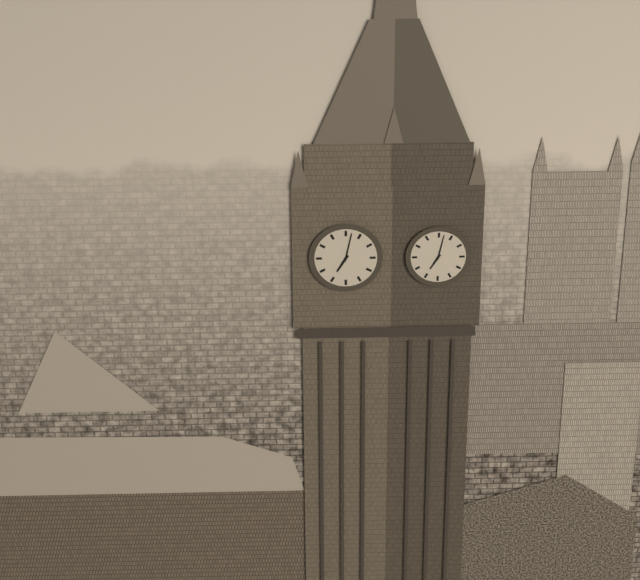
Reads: h=7 m=2
